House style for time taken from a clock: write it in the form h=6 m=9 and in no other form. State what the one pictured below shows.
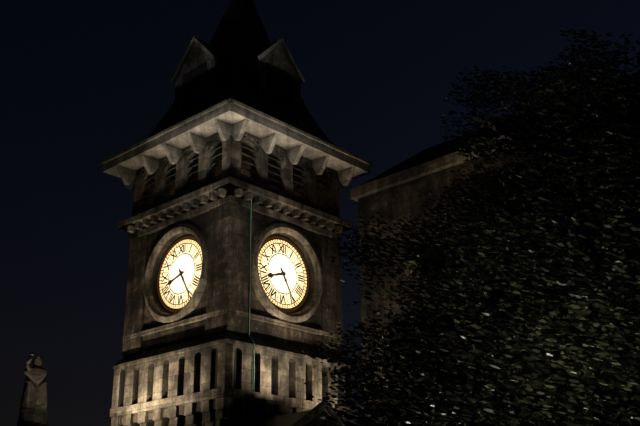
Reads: h=8 m=25
